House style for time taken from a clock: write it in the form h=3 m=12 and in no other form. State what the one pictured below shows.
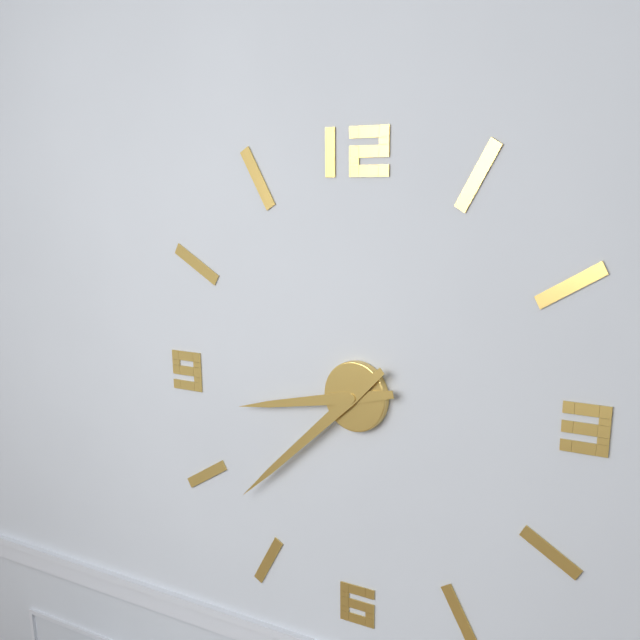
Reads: h=8 m=38
